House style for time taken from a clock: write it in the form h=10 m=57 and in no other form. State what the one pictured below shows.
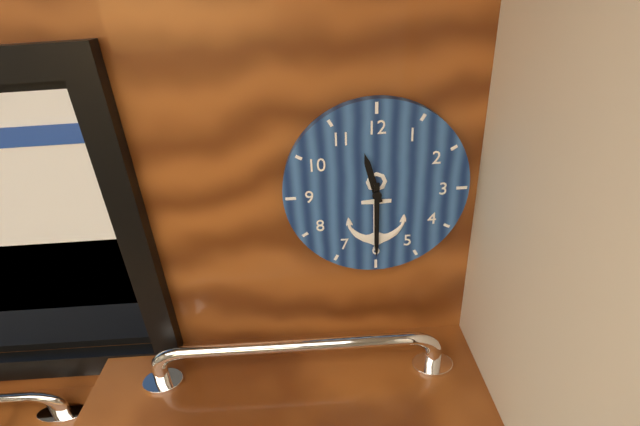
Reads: h=11 m=30
